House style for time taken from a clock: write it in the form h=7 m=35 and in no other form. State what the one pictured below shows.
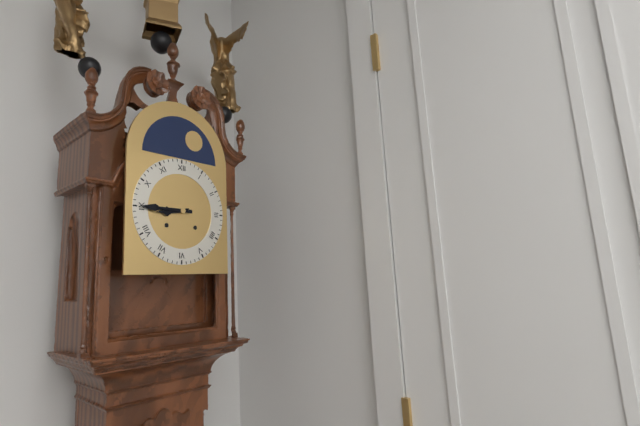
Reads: h=8 m=45
